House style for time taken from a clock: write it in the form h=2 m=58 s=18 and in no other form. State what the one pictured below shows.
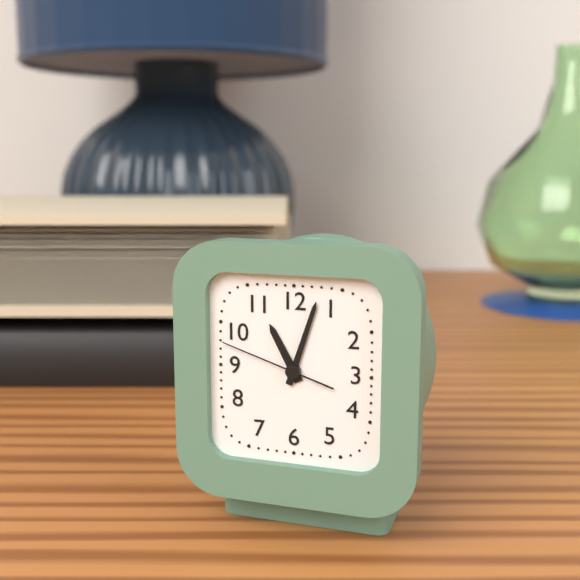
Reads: h=11 m=3 s=48
